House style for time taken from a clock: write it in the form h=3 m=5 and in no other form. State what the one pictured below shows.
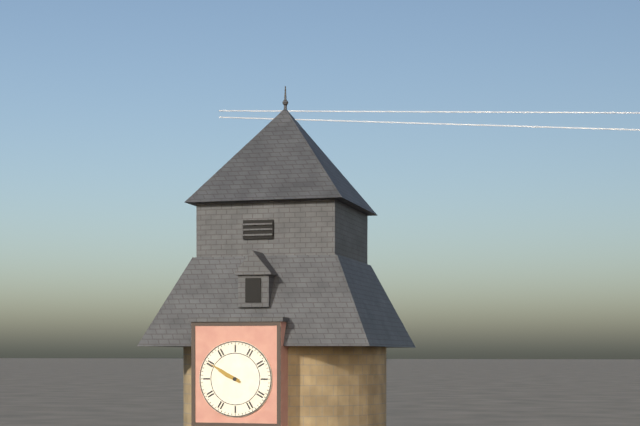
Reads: h=9 m=50
